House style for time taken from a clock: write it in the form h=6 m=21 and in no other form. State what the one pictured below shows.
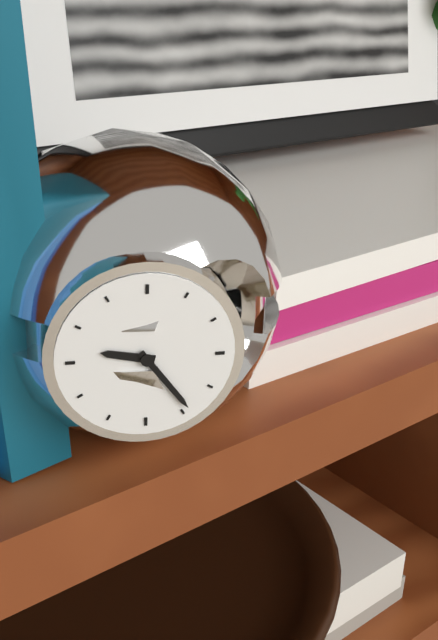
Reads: h=9 m=24
